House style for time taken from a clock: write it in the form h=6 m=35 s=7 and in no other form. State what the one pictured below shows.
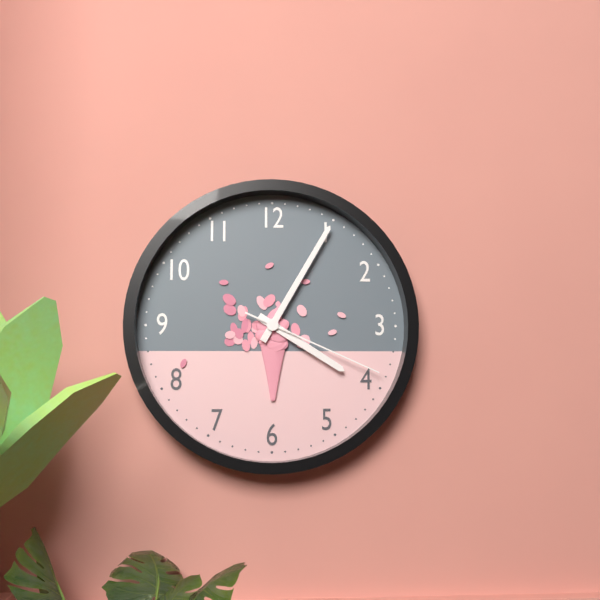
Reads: h=4 m=5 s=19
